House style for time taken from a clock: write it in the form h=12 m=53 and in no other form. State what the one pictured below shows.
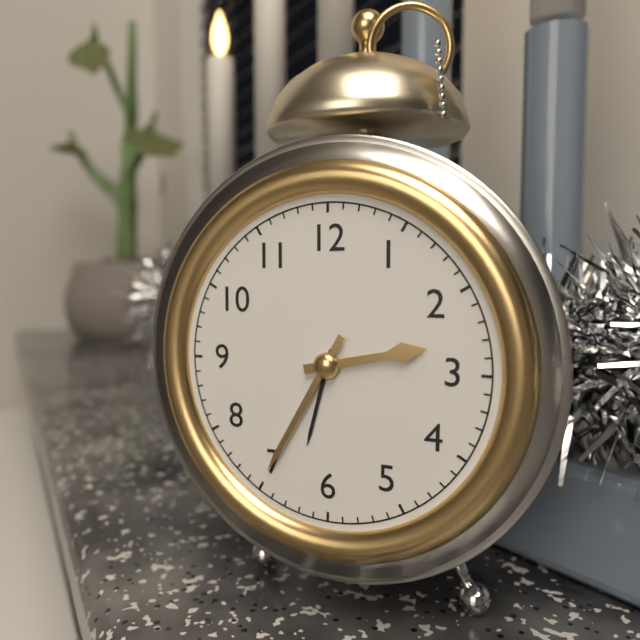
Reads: h=2 m=35
